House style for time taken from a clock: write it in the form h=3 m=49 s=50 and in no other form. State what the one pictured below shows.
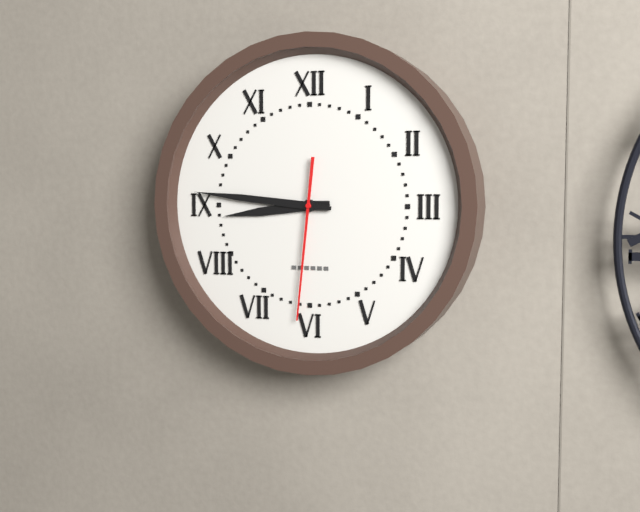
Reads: h=8 m=46 s=31
